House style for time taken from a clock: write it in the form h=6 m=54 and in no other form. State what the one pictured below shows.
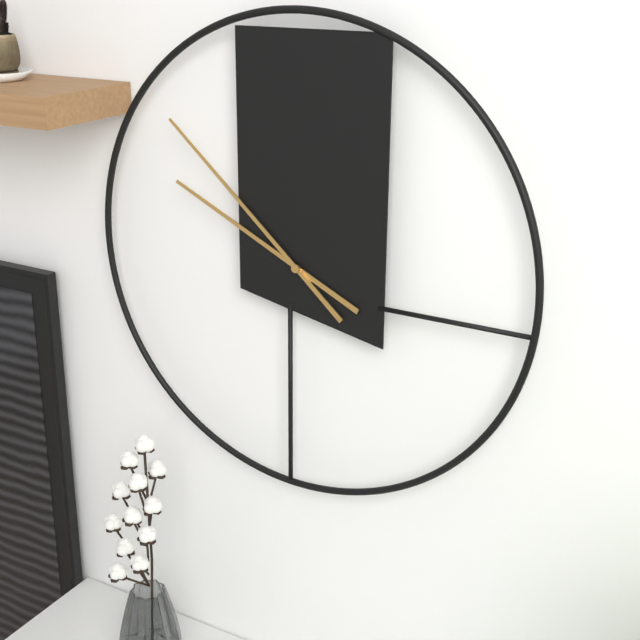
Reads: h=9 m=52
